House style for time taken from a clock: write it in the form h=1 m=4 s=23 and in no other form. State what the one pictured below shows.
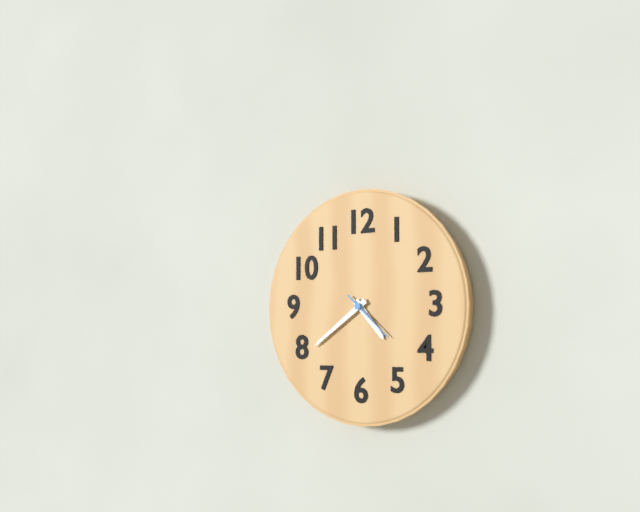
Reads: h=4 m=39 s=22
